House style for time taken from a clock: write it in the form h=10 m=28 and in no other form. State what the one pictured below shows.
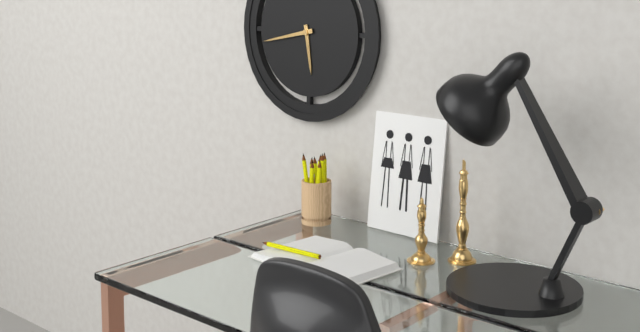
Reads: h=5 m=43
